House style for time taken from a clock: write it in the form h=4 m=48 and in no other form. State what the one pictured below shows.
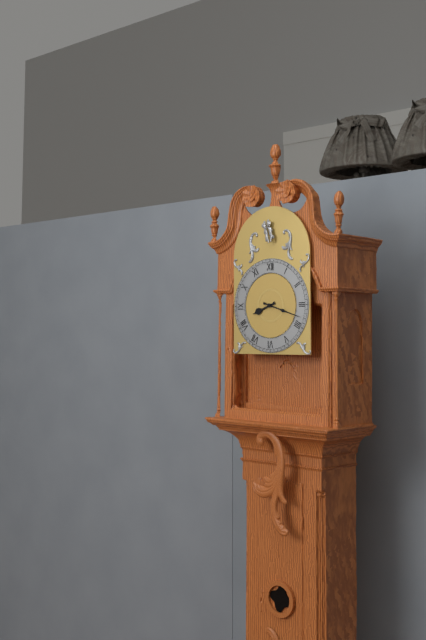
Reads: h=8 m=18
